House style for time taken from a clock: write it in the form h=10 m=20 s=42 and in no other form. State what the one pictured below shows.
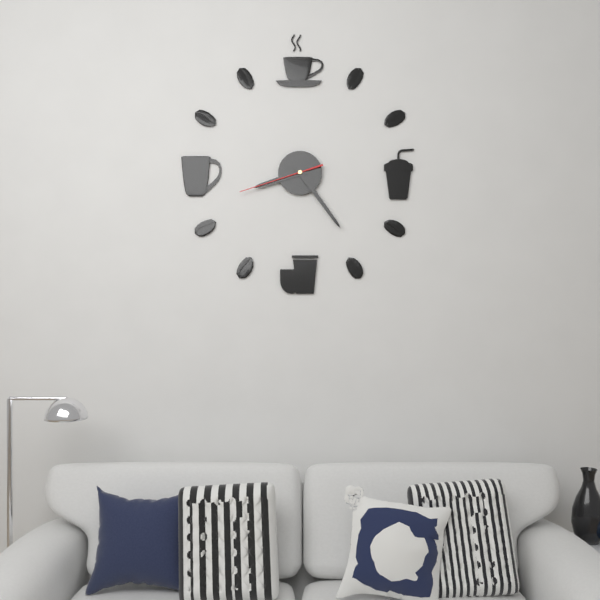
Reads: h=8 m=24 s=42
